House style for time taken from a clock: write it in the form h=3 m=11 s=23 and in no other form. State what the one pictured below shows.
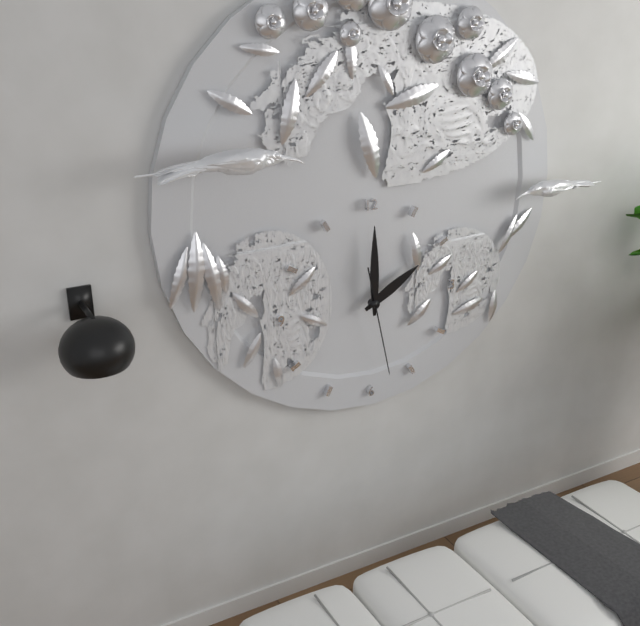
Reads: h=2 m=0 s=28
